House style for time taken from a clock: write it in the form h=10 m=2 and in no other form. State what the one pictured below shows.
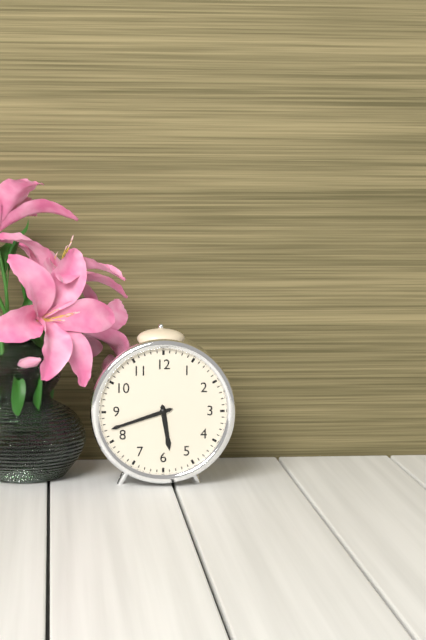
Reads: h=5 m=42
